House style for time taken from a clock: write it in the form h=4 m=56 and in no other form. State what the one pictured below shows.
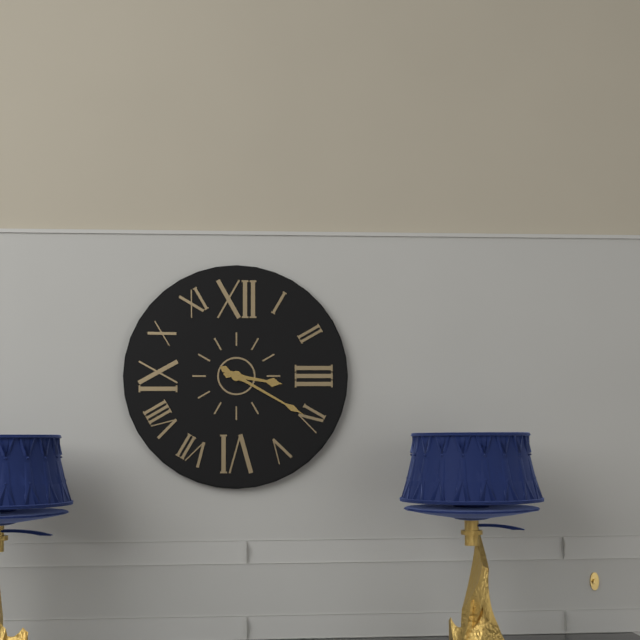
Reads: h=3 m=20
